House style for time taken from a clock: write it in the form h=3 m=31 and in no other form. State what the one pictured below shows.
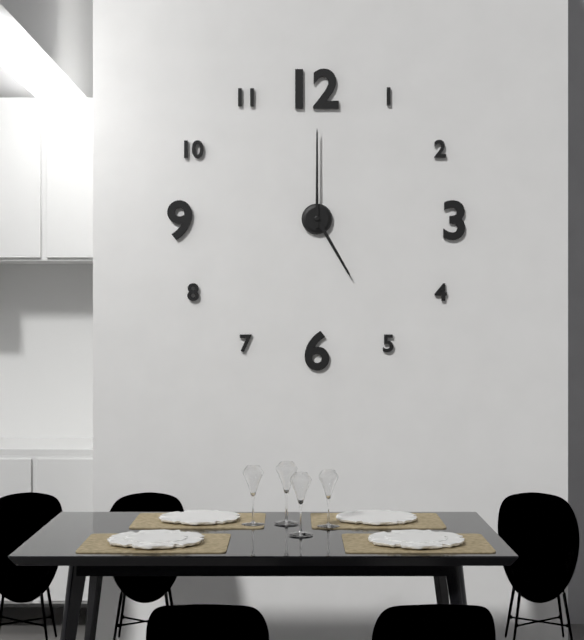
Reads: h=5 m=0
